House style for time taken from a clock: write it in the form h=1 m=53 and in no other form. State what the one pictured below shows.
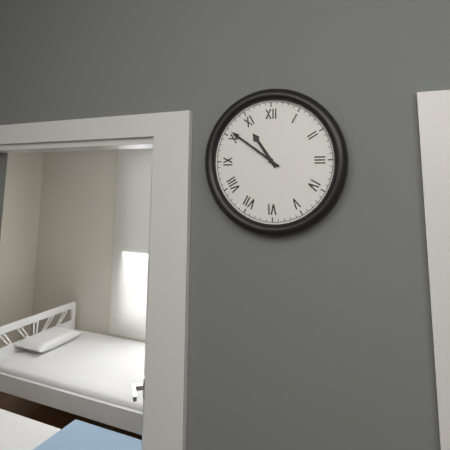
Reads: h=10 m=51
